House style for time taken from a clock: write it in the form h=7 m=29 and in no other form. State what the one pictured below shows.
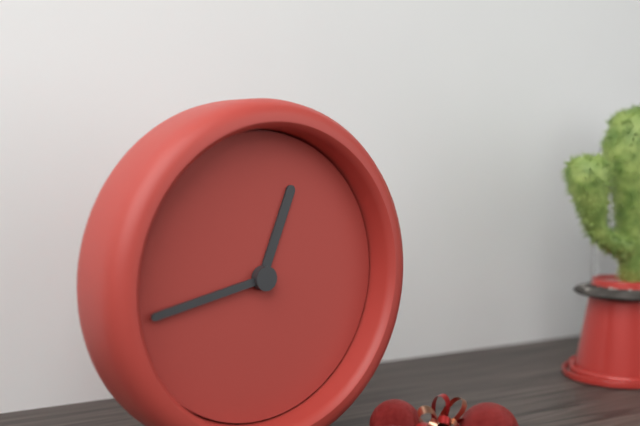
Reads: h=12 m=43
